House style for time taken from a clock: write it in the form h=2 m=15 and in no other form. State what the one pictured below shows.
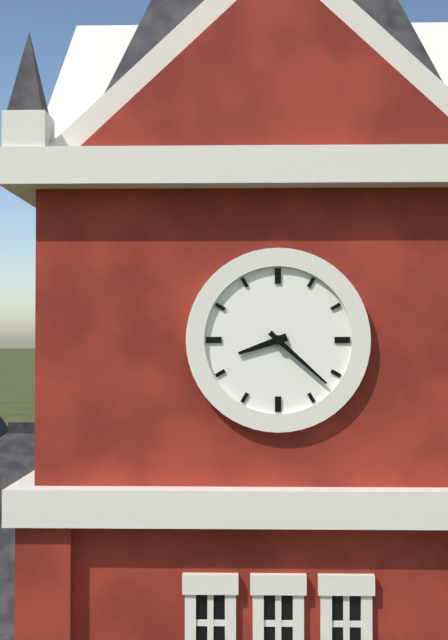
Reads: h=8 m=22
